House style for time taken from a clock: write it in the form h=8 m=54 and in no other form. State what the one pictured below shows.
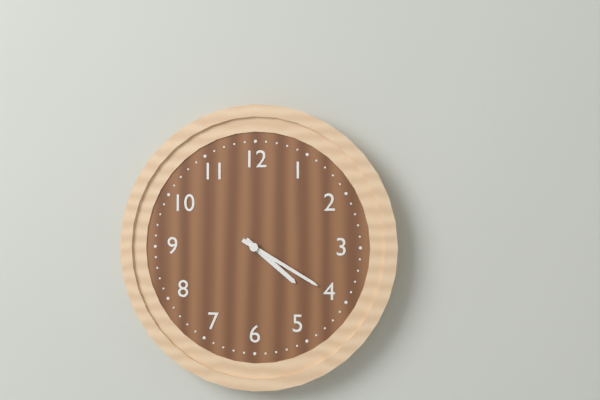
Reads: h=4 m=20
